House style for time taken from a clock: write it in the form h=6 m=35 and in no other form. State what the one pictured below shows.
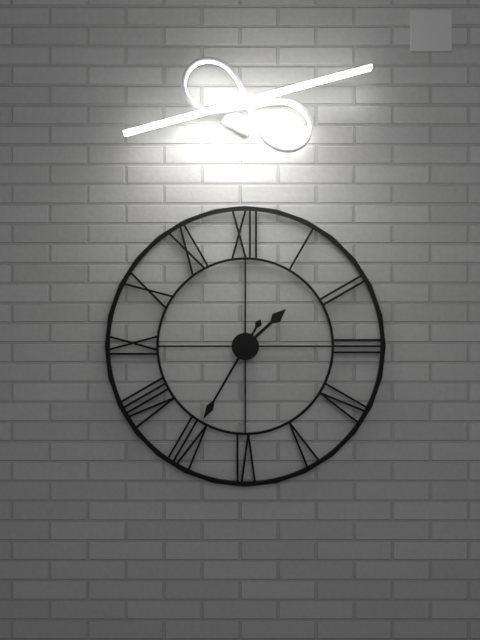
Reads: h=1 m=35
